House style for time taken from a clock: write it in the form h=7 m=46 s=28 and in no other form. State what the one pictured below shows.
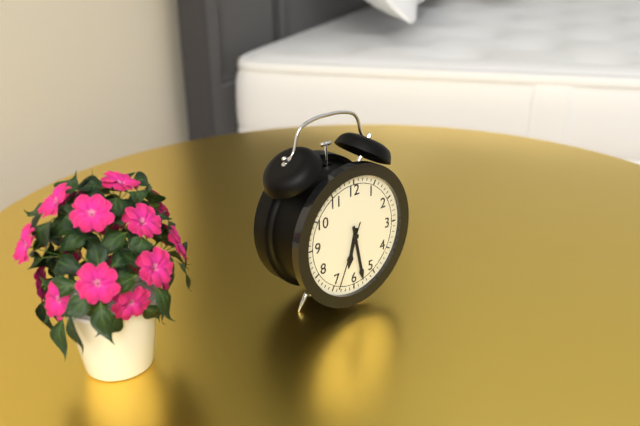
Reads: h=6 m=28 s=34
